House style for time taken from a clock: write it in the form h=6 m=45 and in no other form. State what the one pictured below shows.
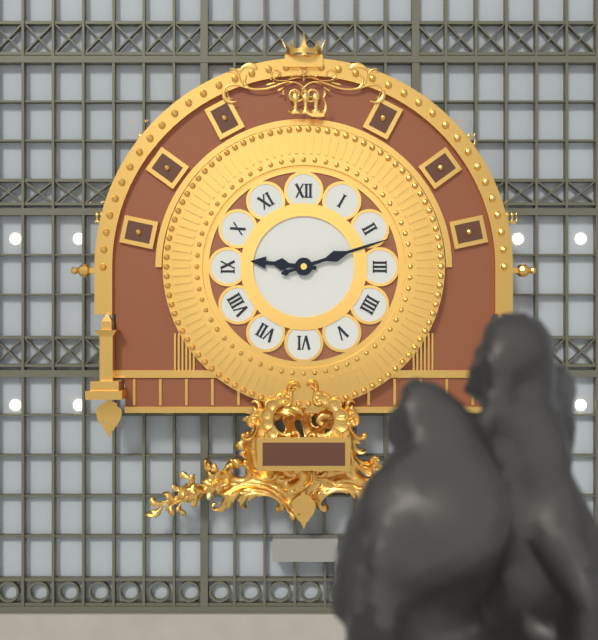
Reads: h=9 m=12
